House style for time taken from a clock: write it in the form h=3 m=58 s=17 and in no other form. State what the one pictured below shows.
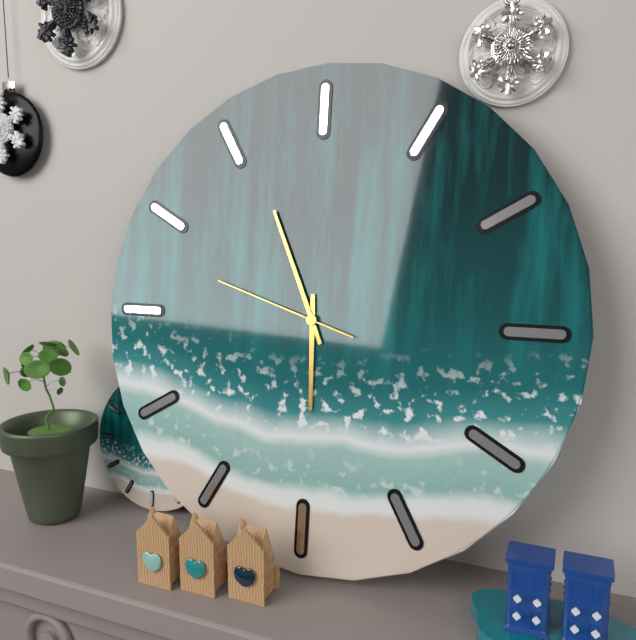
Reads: h=5 m=56 s=48
